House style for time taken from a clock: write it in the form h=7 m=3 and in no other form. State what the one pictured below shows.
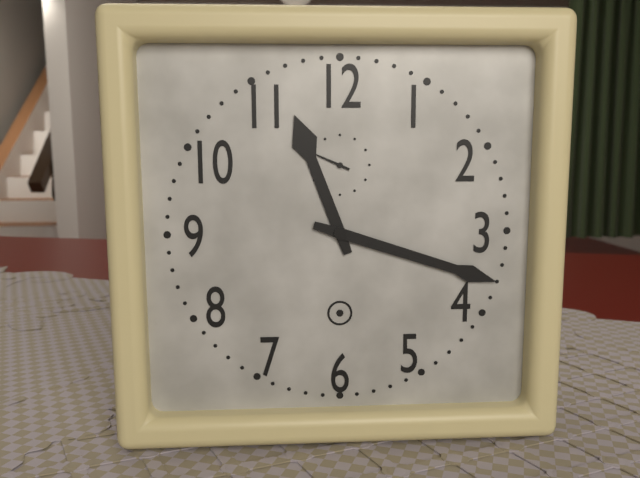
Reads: h=11 m=18
